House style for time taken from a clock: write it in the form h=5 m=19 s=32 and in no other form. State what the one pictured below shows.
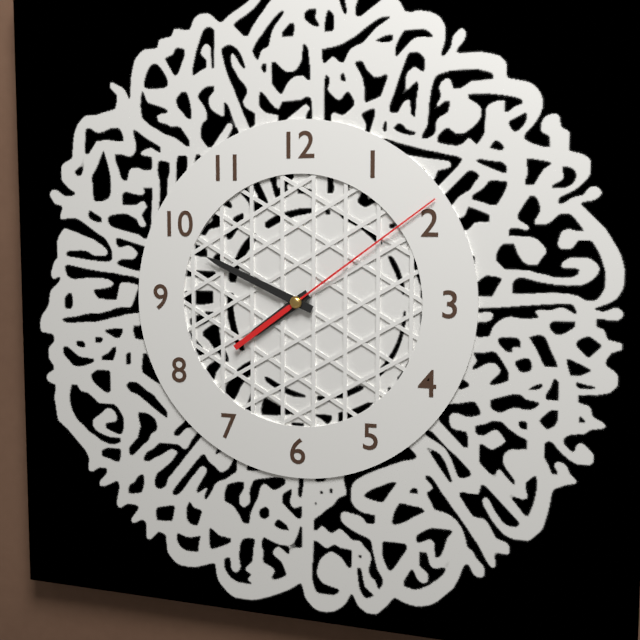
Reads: h=7 m=49 s=9
